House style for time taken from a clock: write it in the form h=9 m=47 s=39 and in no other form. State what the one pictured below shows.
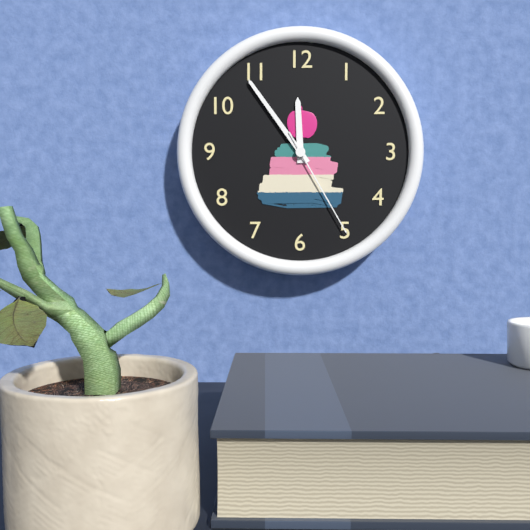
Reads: h=11 m=54 s=25
